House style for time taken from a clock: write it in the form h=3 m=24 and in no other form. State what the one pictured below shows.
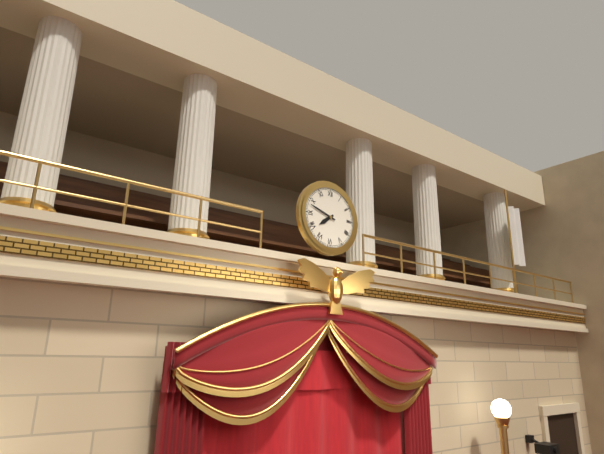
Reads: h=7 m=48
